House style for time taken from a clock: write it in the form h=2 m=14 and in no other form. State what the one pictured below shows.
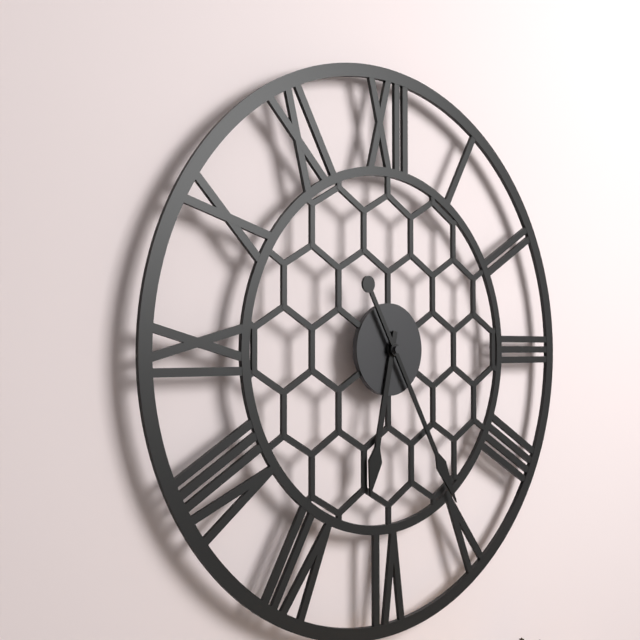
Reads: h=6 m=25
